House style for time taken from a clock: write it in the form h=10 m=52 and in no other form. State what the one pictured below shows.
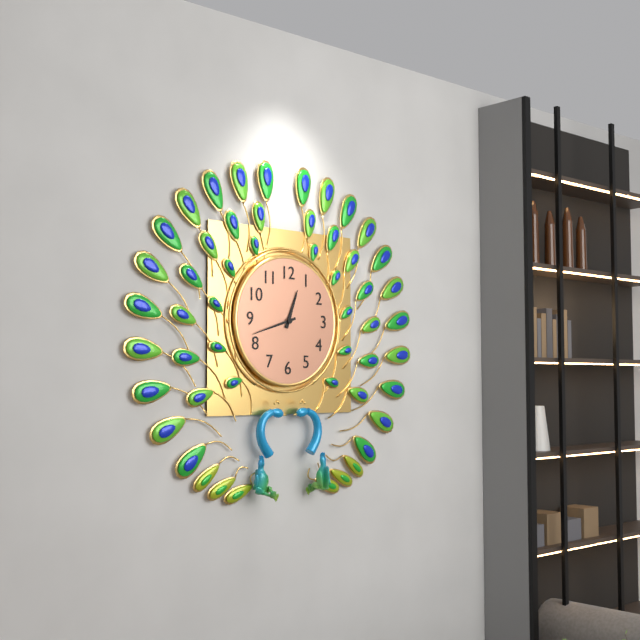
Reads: h=12 m=42
